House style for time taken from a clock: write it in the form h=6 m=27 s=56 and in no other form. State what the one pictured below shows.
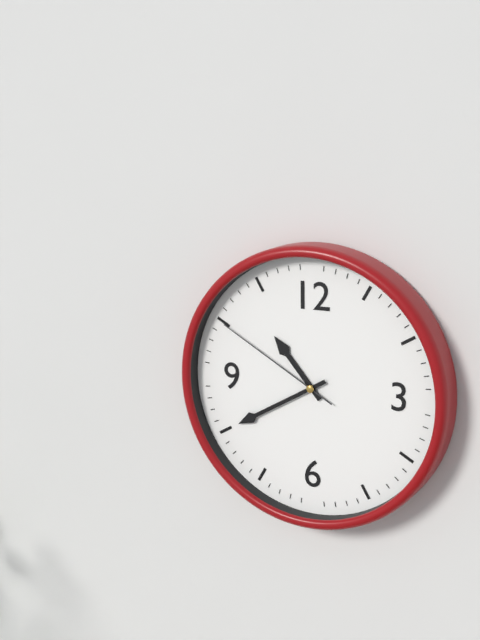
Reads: h=10 m=40 s=50
